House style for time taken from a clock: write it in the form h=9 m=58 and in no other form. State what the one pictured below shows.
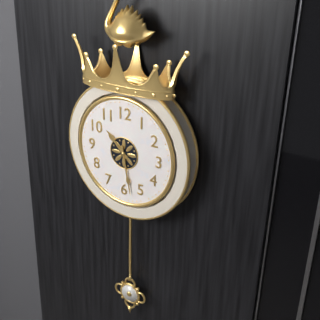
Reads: h=10 m=28
